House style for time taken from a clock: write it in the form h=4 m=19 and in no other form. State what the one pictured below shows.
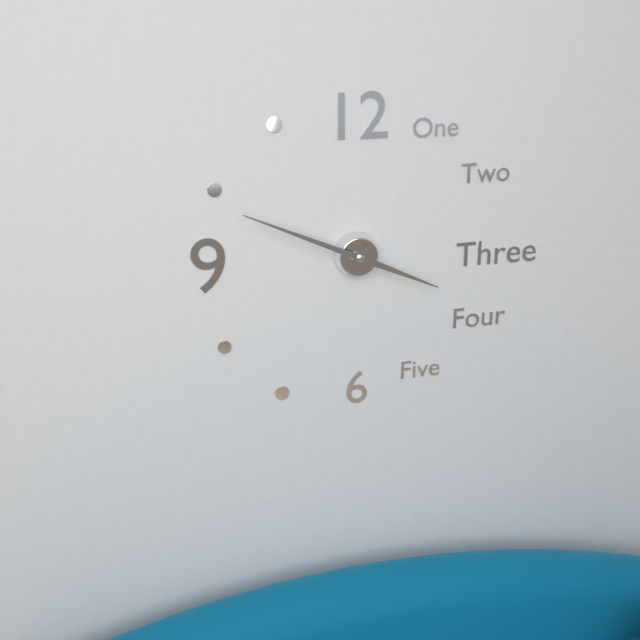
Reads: h=3 m=49
